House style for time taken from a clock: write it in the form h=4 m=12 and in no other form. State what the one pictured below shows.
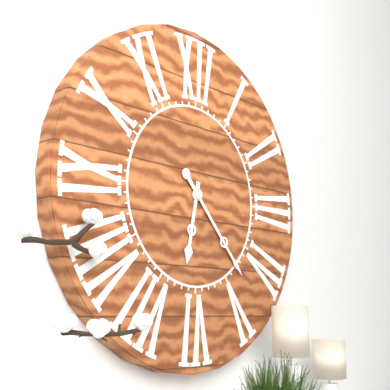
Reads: h=6 m=23
